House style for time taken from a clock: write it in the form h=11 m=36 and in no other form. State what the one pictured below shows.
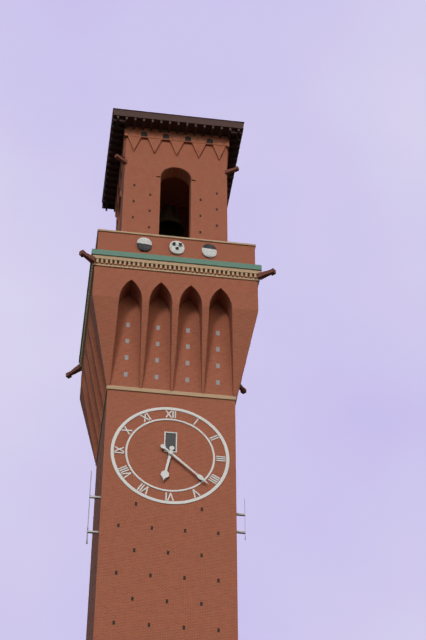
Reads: h=6 m=22
